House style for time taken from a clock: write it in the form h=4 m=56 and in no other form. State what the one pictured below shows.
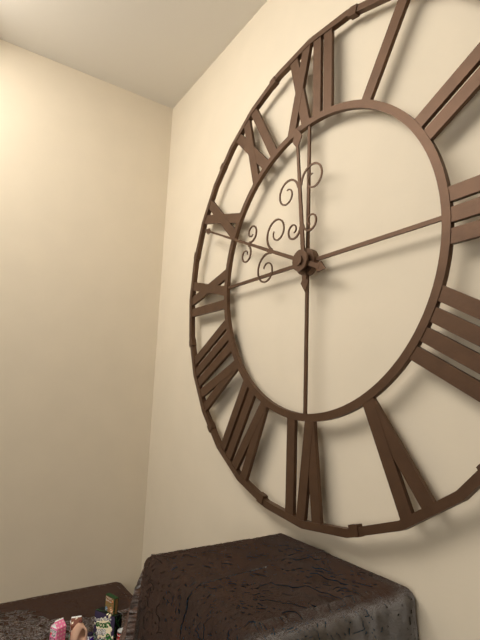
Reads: h=11 m=49
